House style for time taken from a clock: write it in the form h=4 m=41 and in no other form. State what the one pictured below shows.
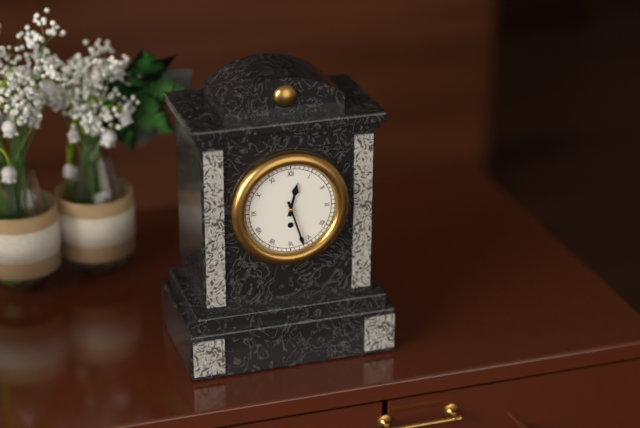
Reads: h=12 m=27
